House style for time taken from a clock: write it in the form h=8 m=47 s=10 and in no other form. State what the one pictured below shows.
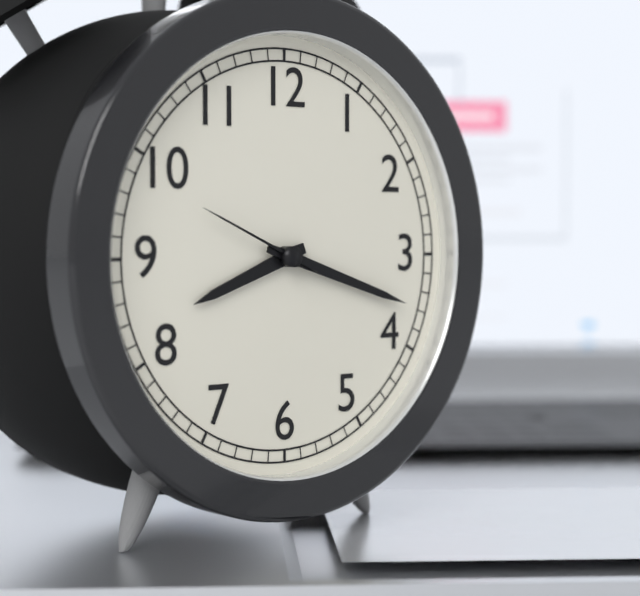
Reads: h=8 m=18 s=49
